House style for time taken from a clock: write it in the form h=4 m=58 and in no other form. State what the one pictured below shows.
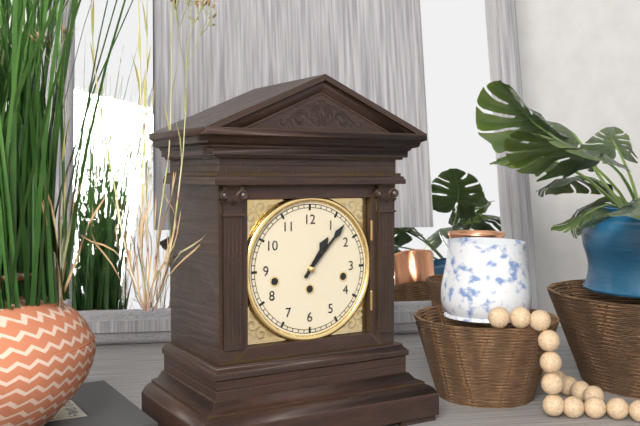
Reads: h=1 m=7
